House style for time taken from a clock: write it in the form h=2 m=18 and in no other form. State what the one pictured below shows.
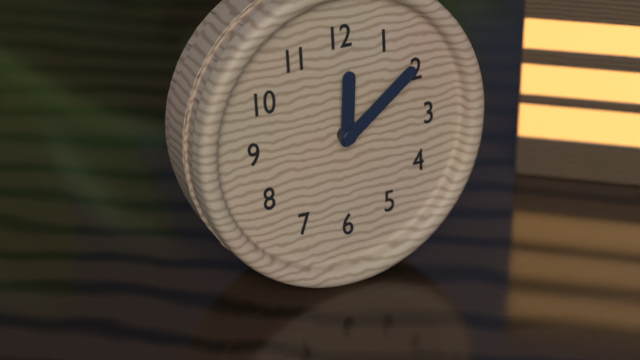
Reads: h=12 m=9
